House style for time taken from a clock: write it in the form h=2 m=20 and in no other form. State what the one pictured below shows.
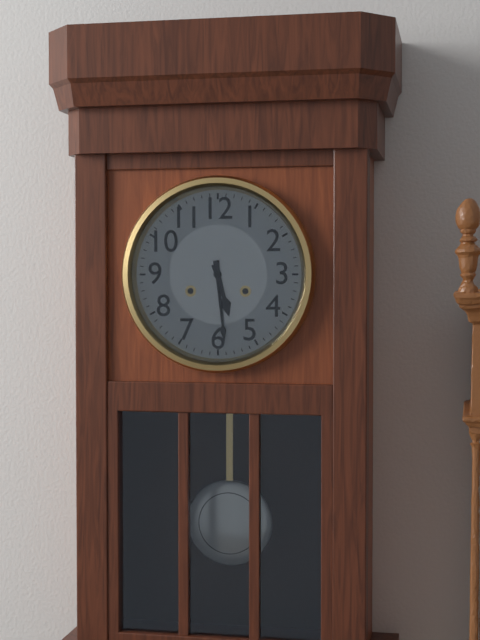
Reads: h=5 m=29
